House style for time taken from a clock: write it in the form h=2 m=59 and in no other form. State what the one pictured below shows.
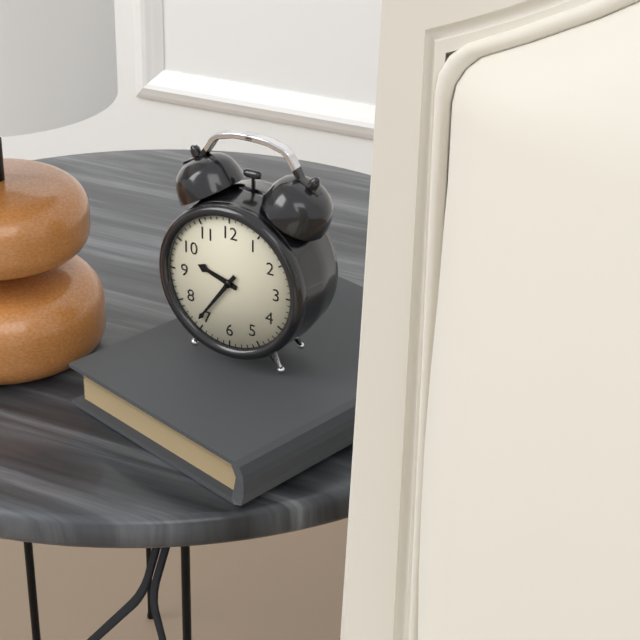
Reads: h=9 m=36
